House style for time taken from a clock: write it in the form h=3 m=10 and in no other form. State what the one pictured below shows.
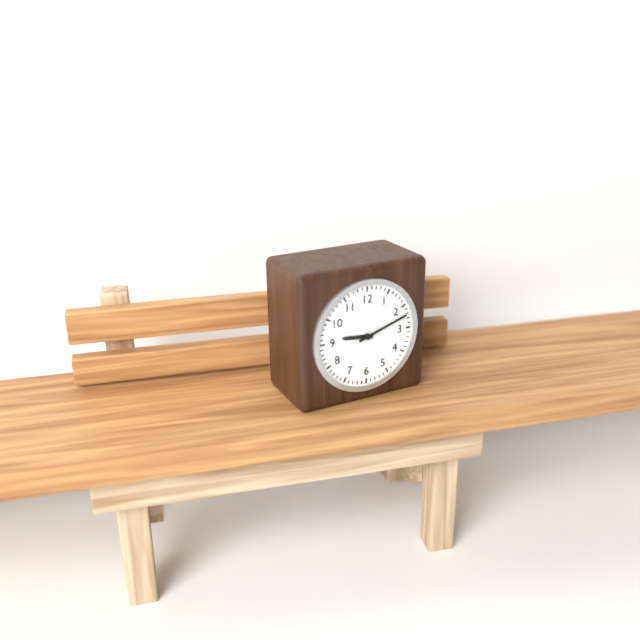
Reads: h=9 m=12
